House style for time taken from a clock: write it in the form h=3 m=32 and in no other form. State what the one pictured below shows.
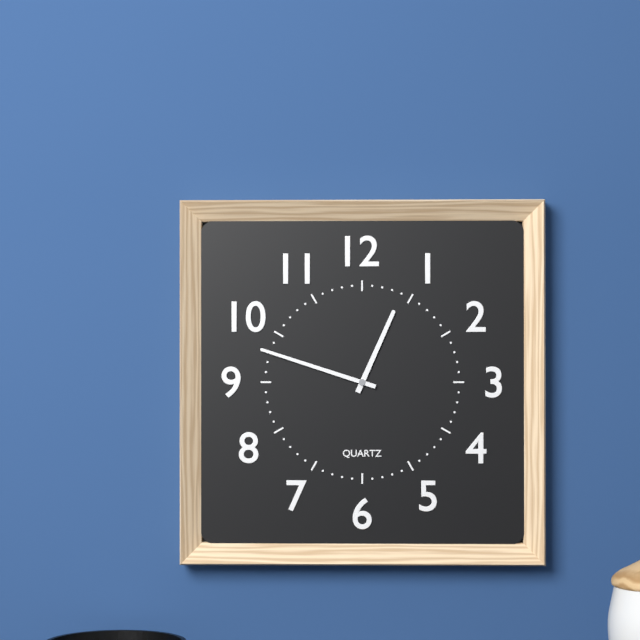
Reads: h=12 m=48
